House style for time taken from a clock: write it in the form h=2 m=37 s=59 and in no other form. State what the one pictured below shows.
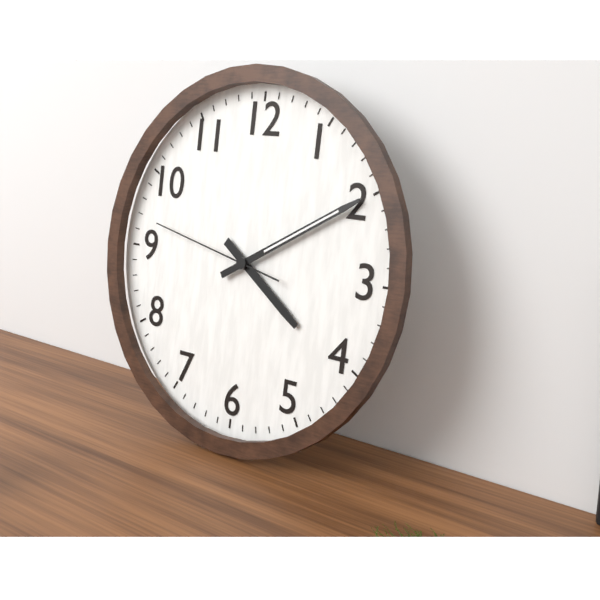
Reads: h=4 m=10 s=47
